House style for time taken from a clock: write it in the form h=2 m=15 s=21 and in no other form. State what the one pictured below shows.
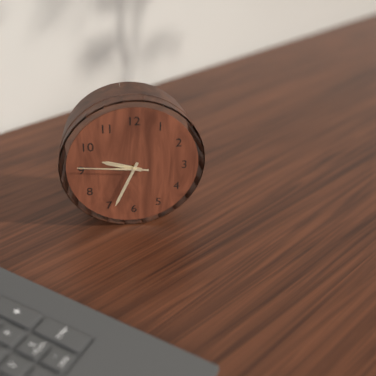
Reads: h=9 m=34 s=46
